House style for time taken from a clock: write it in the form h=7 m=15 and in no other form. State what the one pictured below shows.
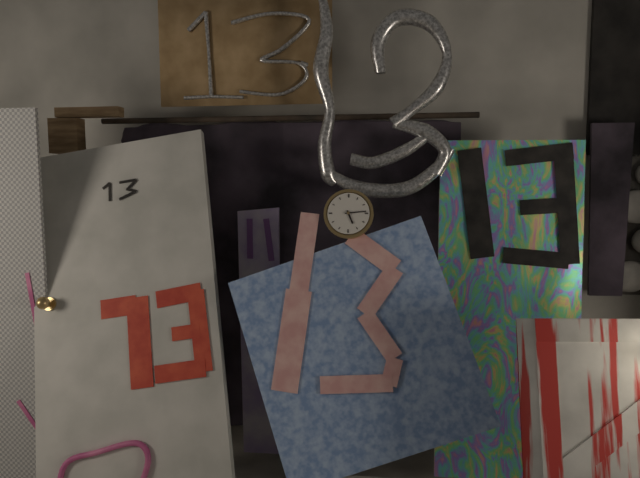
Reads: h=5 m=14
